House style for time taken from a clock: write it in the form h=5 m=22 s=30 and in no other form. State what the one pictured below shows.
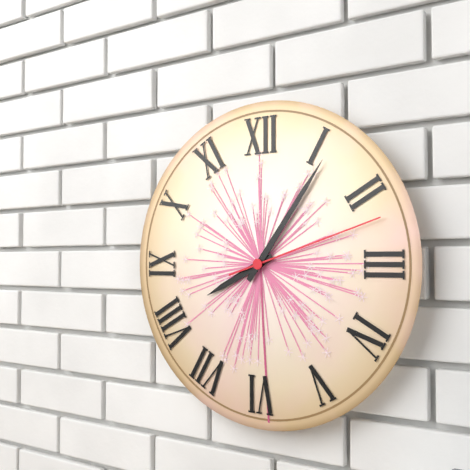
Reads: h=8 m=6 s=12
